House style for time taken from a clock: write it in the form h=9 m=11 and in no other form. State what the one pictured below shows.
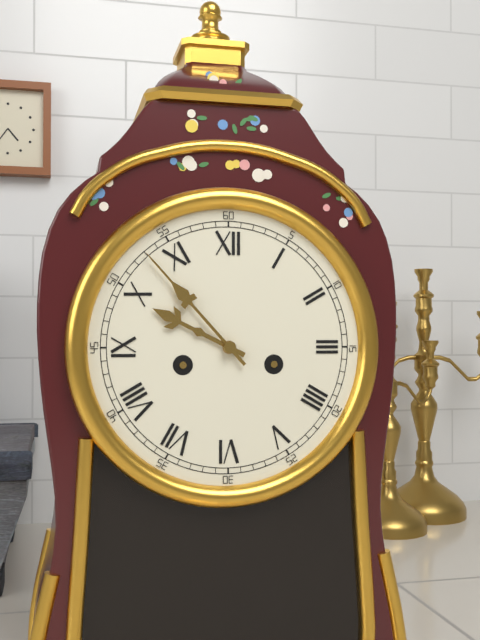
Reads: h=9 m=53
